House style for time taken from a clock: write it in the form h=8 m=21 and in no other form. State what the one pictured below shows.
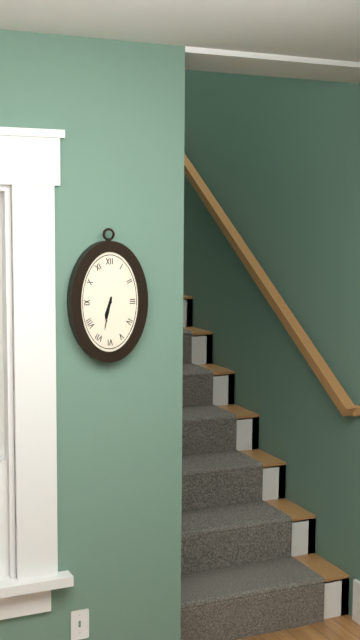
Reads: h=6 m=32
